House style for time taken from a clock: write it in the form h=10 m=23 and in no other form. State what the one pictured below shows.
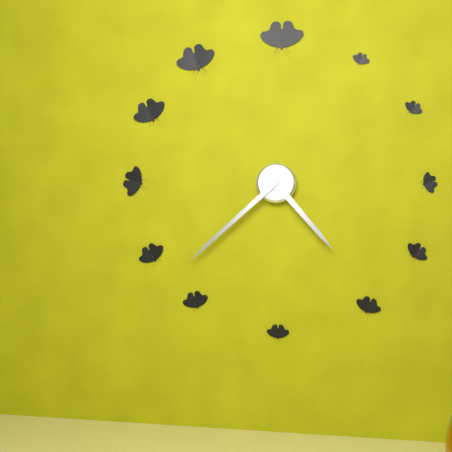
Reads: h=4 m=38
